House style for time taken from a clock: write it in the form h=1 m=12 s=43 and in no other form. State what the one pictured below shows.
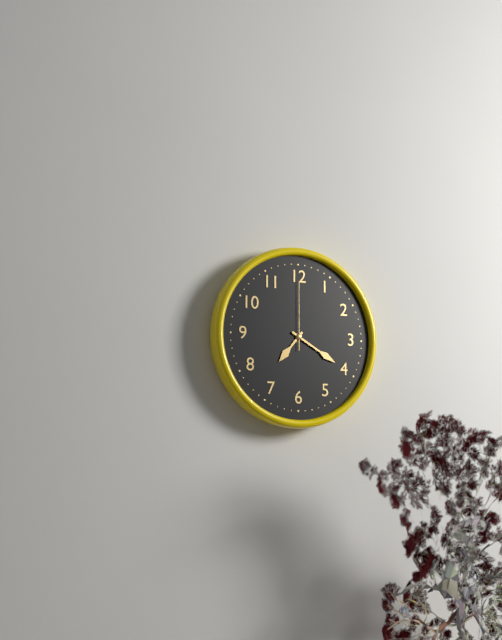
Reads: h=7 m=20 s=0
